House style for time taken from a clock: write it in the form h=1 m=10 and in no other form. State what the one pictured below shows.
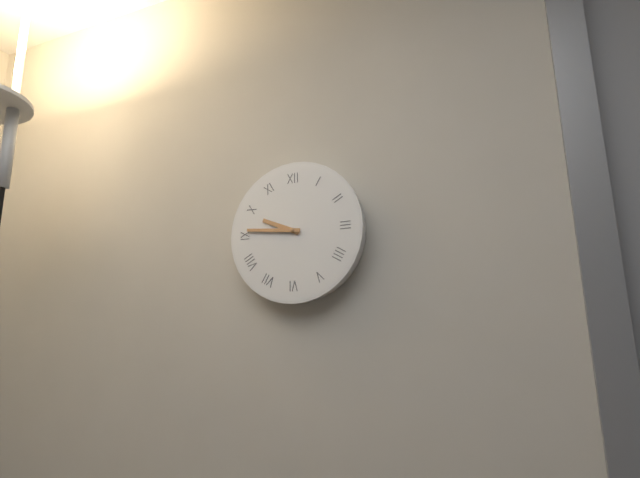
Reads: h=9 m=46
